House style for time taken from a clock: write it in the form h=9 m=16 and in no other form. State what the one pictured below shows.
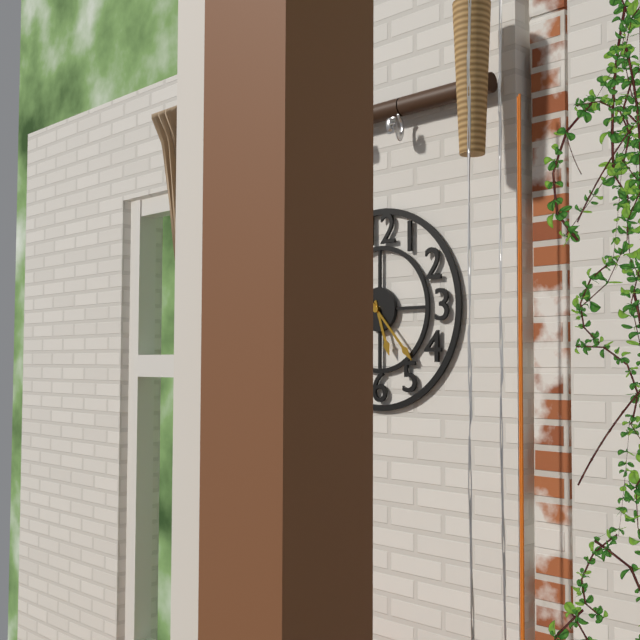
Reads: h=5 m=23
